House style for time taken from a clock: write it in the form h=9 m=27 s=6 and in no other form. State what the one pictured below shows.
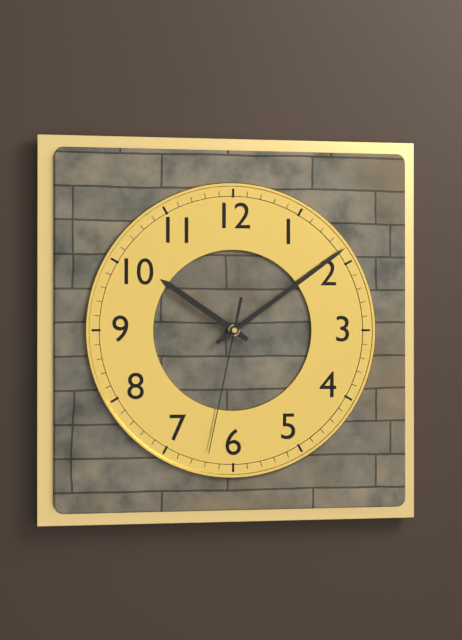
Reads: h=10 m=9 s=32
